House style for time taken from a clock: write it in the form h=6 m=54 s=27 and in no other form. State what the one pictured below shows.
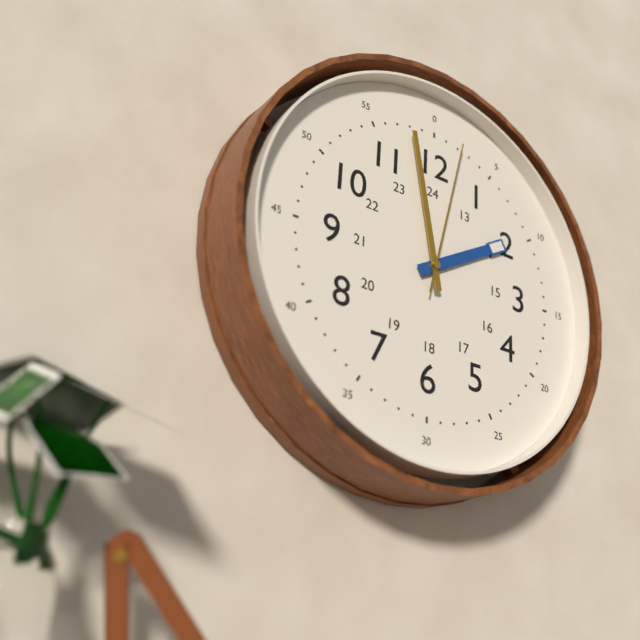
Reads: h=1 m=58 s=2
